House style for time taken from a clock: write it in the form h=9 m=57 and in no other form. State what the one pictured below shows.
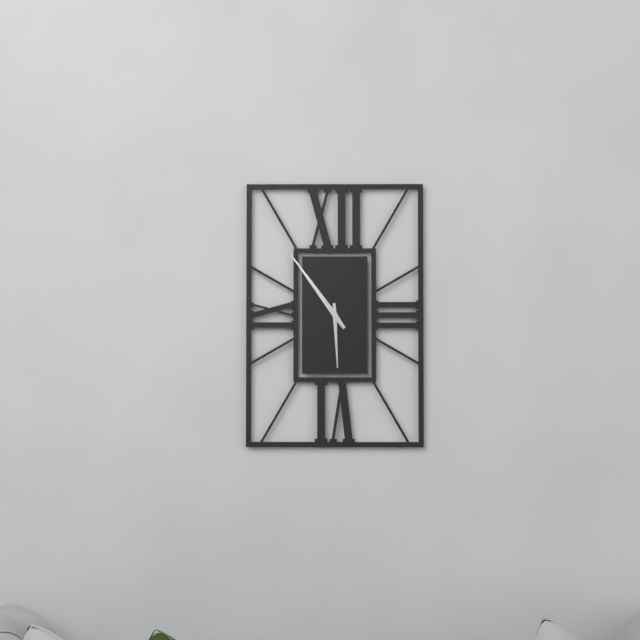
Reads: h=5 m=54
